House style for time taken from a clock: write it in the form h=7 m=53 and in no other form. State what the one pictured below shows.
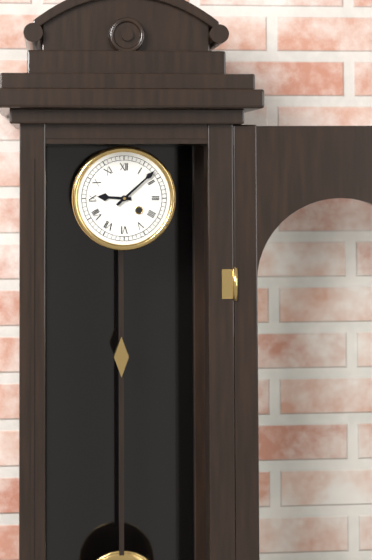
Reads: h=9 m=8
